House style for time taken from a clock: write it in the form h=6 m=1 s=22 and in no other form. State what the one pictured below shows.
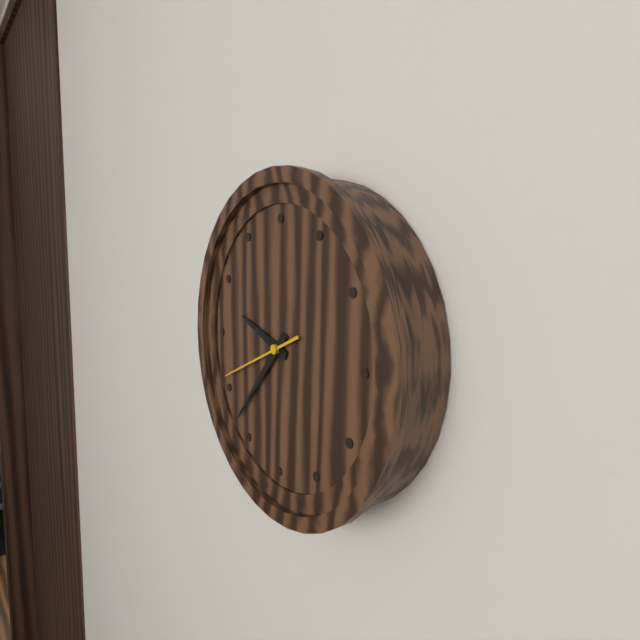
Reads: h=9 m=37 s=41
